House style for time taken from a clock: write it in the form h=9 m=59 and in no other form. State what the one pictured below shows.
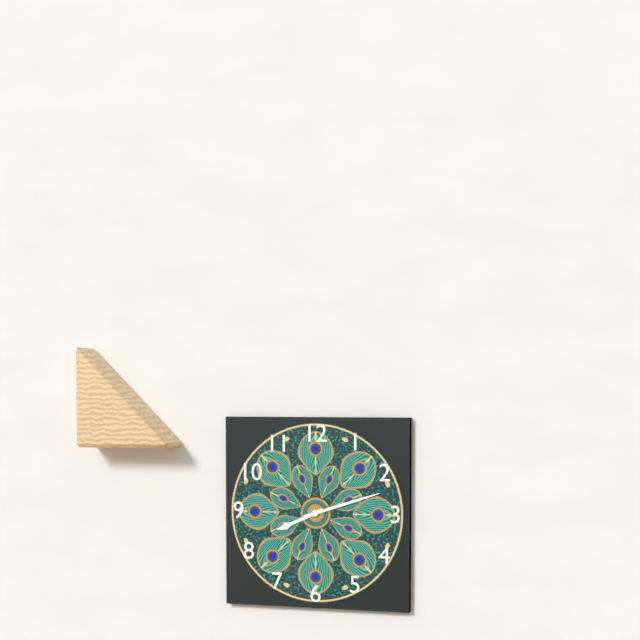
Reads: h=8 m=12
